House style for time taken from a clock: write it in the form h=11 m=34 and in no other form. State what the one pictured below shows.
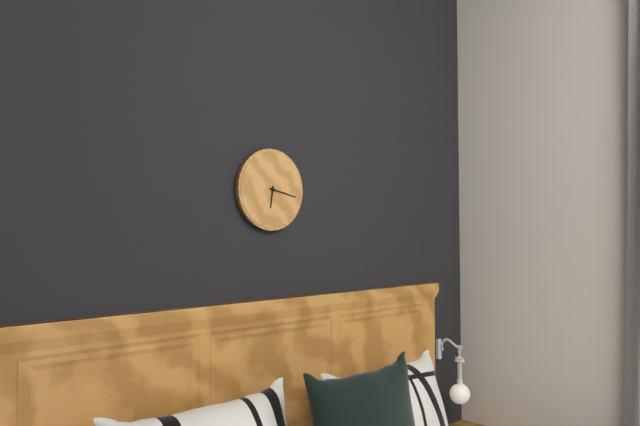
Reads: h=6 m=17
